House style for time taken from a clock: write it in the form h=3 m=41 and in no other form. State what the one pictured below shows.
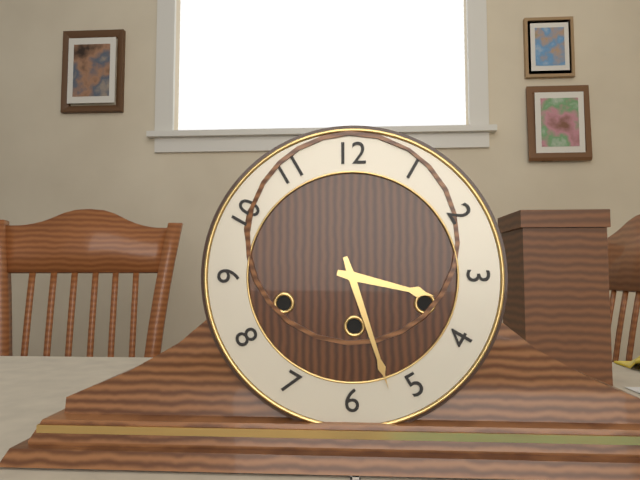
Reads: h=3 m=27
